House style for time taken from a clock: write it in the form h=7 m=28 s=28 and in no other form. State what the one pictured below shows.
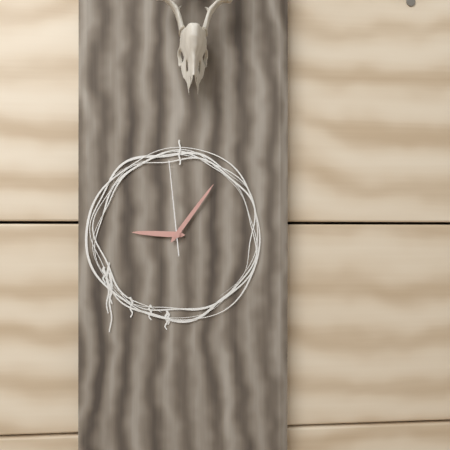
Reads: h=9 m=6 s=59
